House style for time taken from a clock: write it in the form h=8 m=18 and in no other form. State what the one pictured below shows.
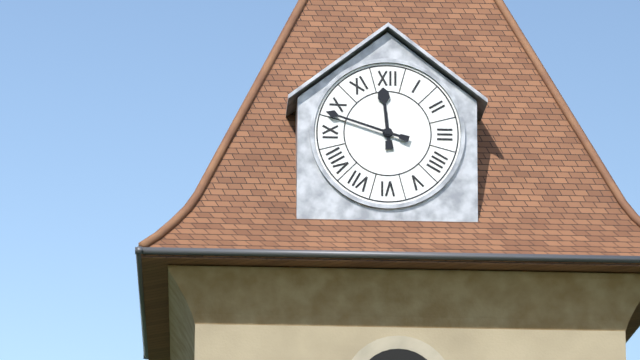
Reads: h=11 m=48
